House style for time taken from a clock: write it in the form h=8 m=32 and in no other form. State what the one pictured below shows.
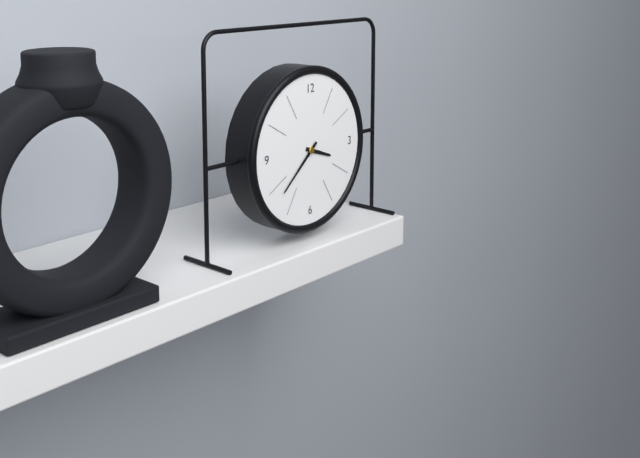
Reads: h=3 m=38
